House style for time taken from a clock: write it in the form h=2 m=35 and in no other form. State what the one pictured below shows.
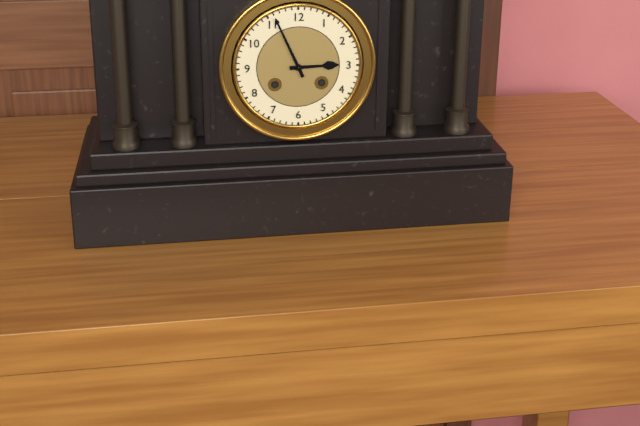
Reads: h=2 m=56
